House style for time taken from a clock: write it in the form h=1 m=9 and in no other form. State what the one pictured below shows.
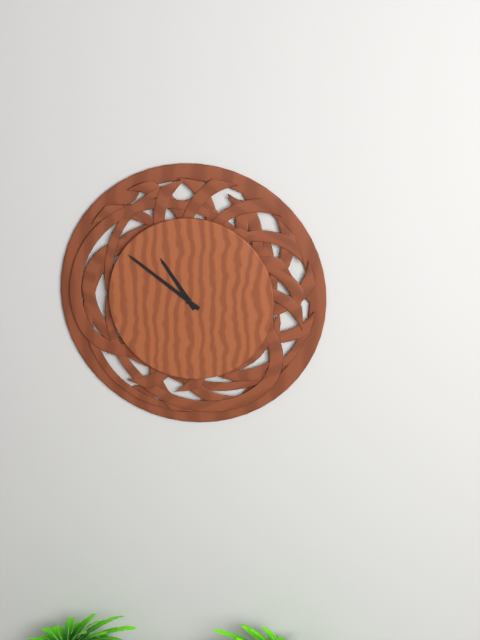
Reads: h=10 m=51
